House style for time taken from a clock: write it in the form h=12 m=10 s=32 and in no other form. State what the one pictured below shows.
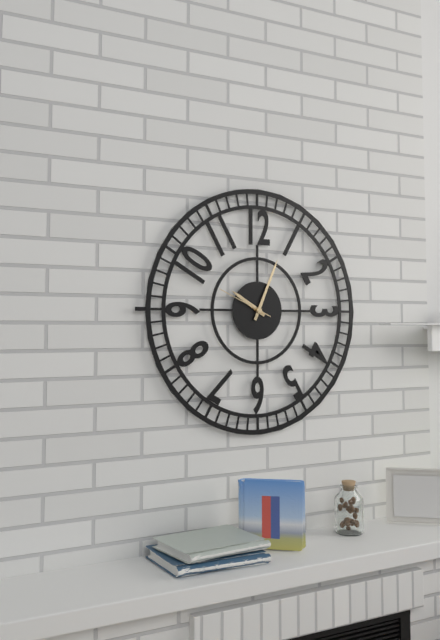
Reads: h=10 m=4 s=49
